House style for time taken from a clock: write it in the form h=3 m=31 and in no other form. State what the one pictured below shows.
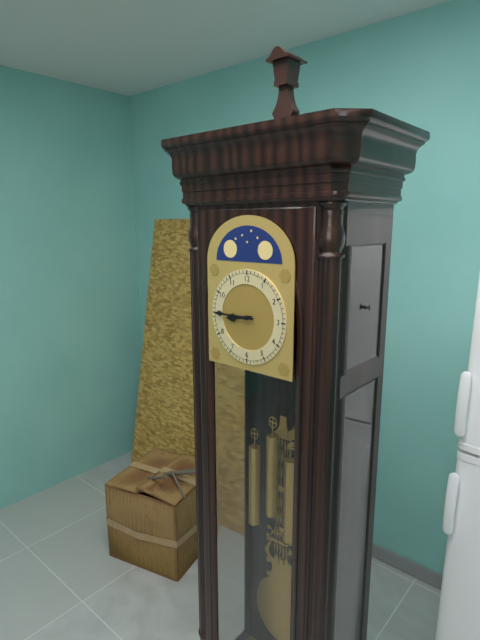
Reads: h=8 m=45
